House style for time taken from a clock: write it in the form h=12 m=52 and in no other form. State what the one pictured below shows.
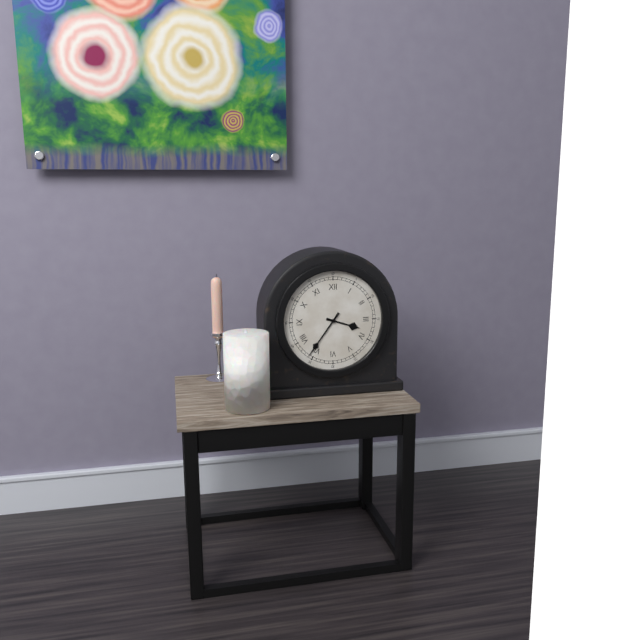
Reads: h=3 m=36
